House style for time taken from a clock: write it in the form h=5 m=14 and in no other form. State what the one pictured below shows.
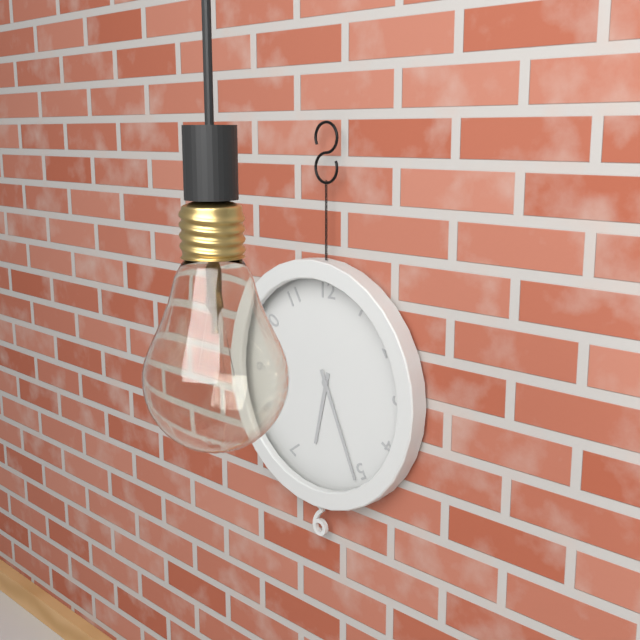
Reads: h=6 m=26
